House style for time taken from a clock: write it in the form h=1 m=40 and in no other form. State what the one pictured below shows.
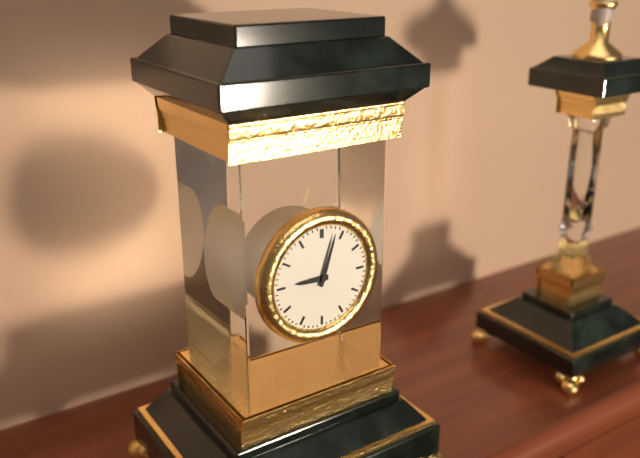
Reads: h=9 m=3
